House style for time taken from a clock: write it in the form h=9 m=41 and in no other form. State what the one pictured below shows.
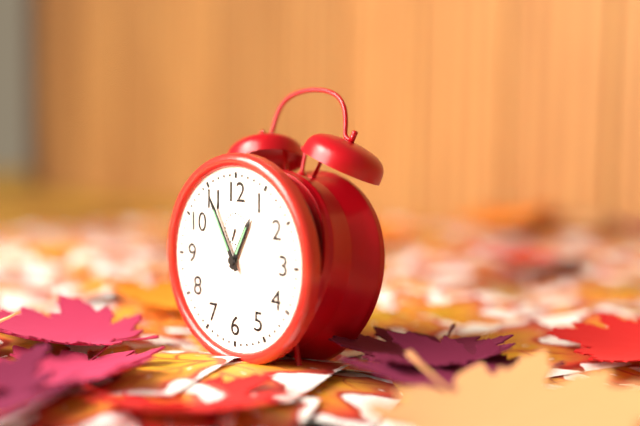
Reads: h=12 m=55
